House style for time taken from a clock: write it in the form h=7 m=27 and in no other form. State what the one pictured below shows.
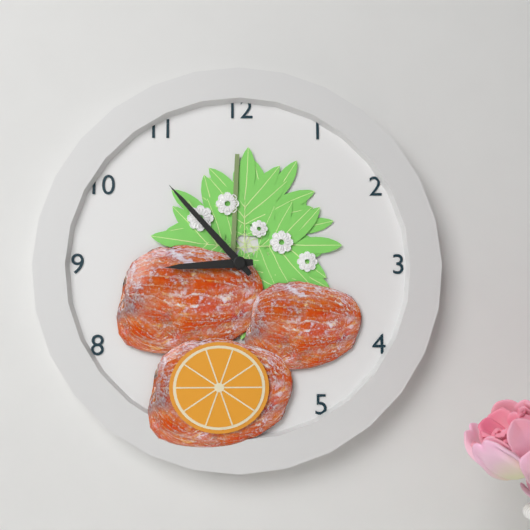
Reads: h=8 m=53
